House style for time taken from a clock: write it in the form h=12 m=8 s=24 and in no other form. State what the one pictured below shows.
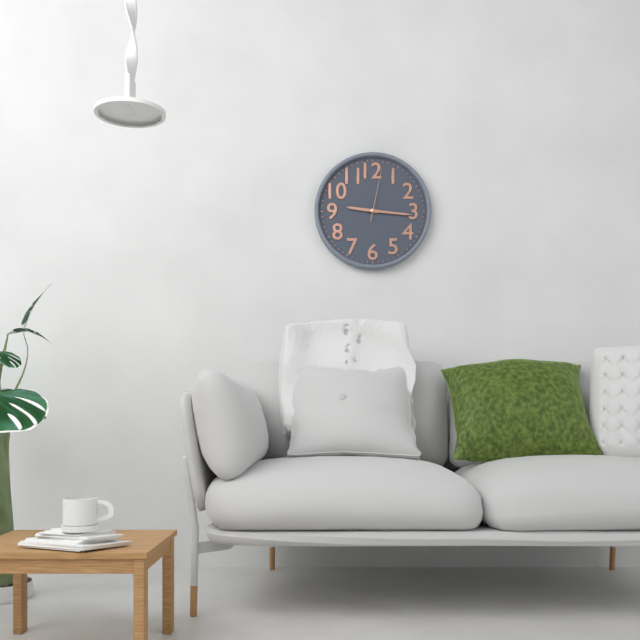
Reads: h=9 m=16 s=2
